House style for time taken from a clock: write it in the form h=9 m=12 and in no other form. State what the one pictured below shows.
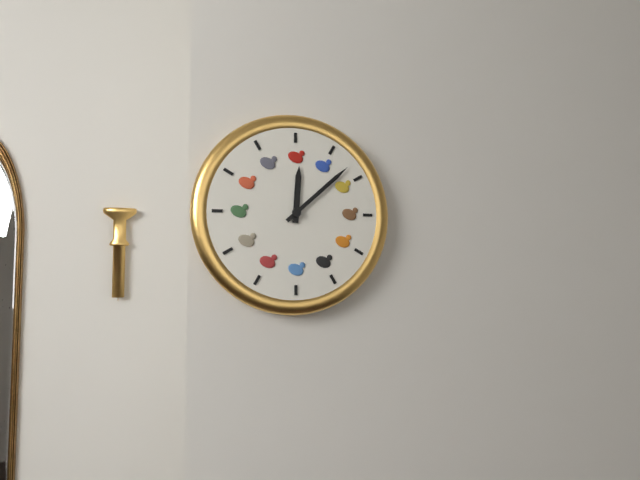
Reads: h=12 m=8
